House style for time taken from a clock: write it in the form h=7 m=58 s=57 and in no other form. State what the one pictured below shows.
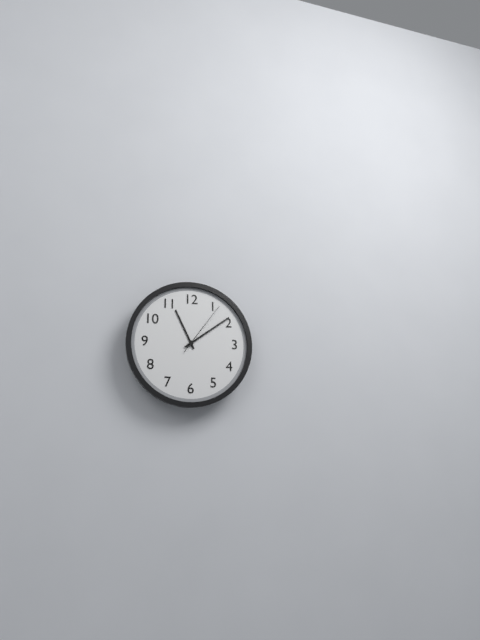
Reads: h=11 m=9 s=6
